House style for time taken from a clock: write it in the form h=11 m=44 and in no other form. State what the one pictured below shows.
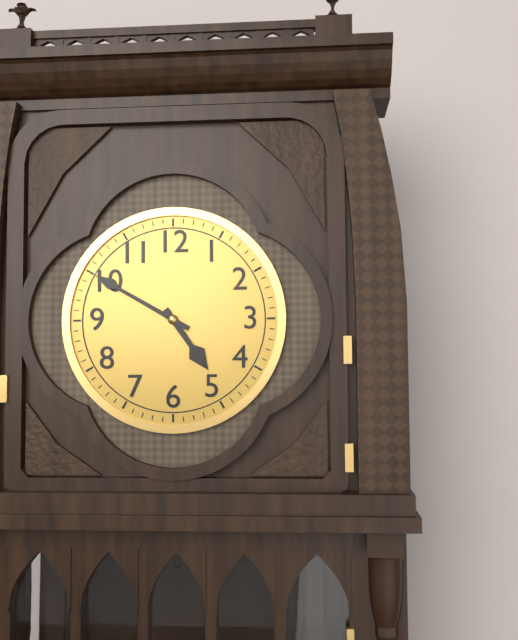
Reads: h=4 m=50
